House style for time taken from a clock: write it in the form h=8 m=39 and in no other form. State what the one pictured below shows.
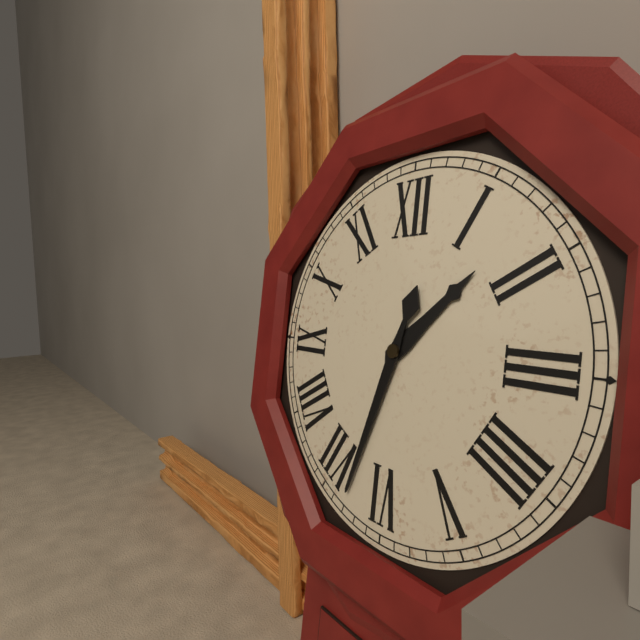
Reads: h=1 m=33
